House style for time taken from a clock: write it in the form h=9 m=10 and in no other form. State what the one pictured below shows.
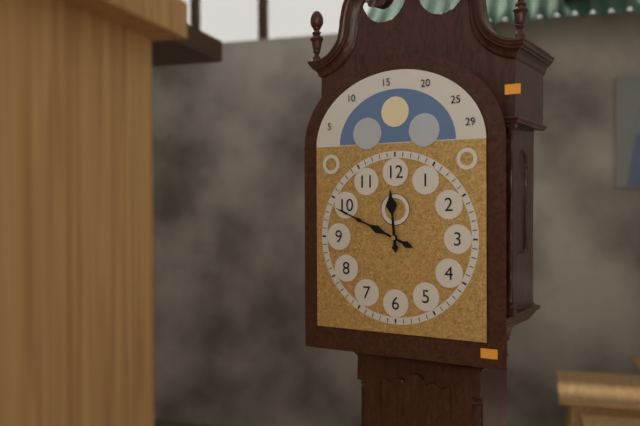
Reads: h=11 m=49
